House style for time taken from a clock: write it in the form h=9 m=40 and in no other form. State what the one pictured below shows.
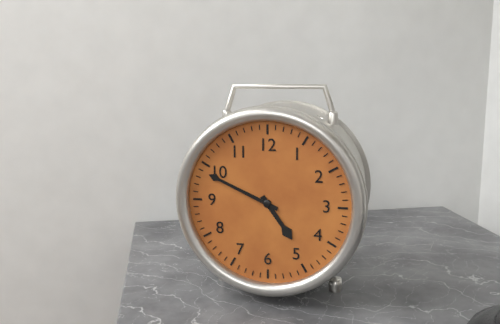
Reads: h=4 m=49
